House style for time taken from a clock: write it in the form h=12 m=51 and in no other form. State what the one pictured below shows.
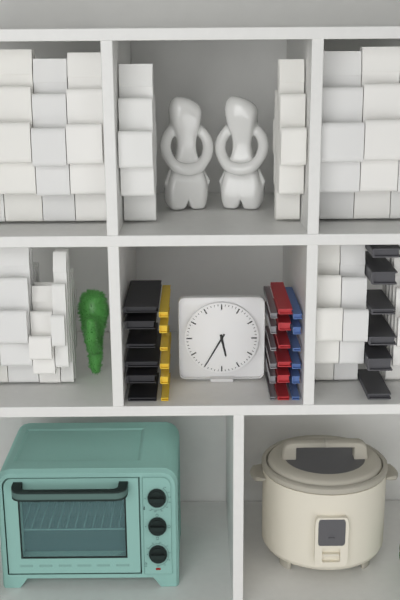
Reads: h=5 m=35
